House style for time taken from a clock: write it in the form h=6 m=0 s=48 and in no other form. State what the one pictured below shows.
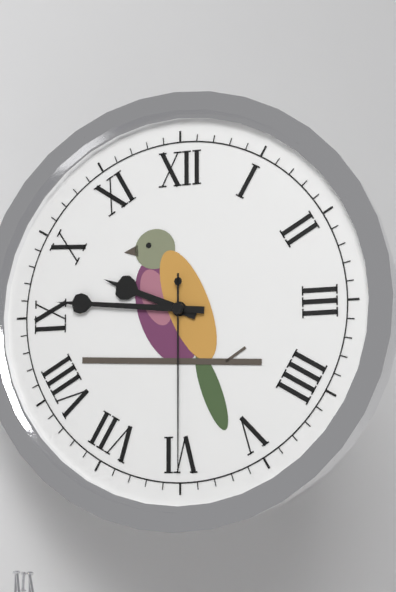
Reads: h=9 m=46 s=30
